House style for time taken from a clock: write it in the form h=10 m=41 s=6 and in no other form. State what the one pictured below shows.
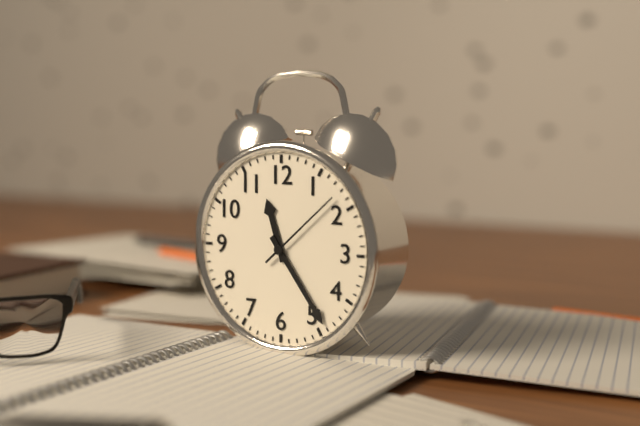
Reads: h=11 m=24 s=8
